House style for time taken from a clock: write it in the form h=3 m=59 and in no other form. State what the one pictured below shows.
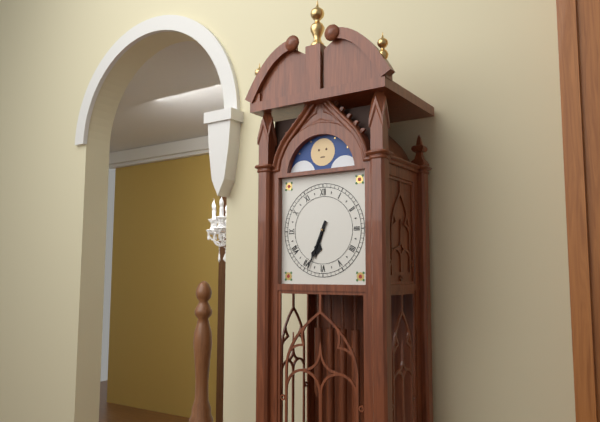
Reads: h=6 m=34
